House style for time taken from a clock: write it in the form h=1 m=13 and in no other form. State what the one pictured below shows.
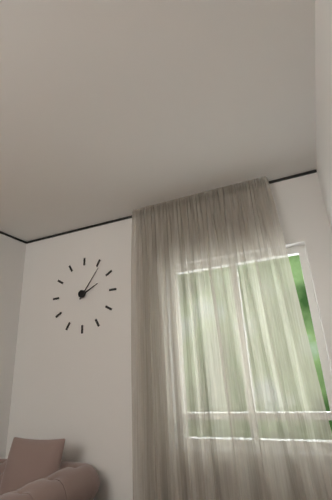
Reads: h=2 m=6
